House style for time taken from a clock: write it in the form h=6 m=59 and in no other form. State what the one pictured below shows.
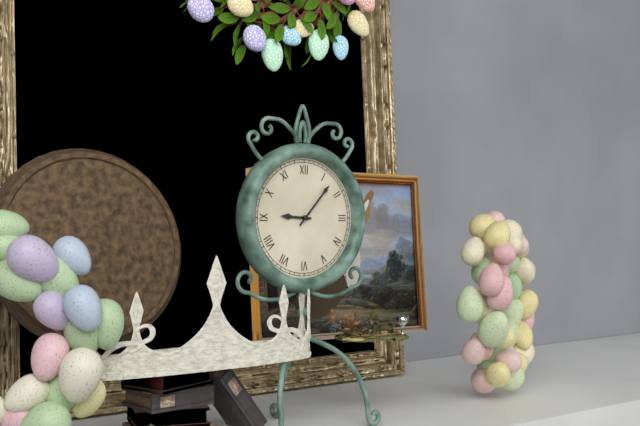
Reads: h=9 m=7
